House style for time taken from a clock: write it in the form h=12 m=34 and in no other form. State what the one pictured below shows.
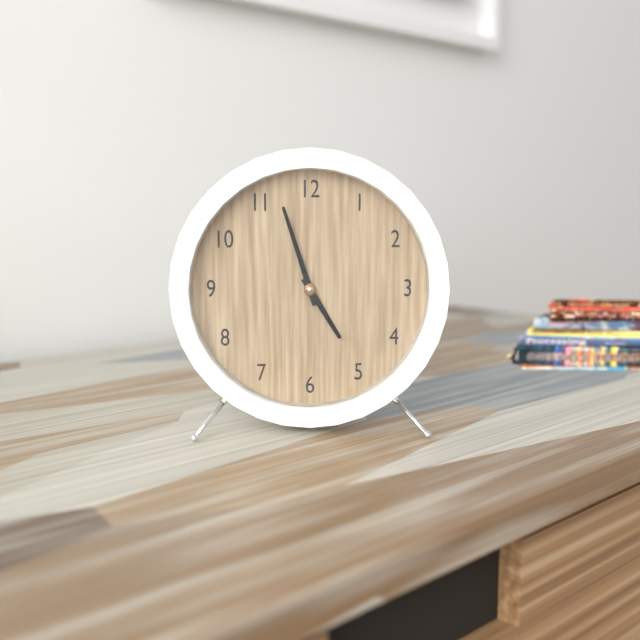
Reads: h=4 m=57
